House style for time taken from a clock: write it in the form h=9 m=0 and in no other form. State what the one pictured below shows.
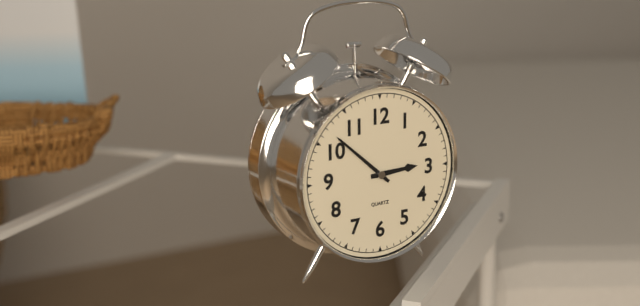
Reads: h=2 m=52
